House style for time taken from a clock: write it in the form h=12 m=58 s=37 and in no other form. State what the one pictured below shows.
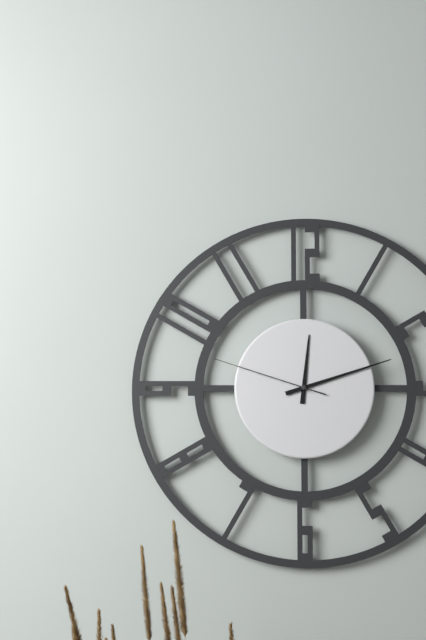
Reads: h=12 m=12 s=48
